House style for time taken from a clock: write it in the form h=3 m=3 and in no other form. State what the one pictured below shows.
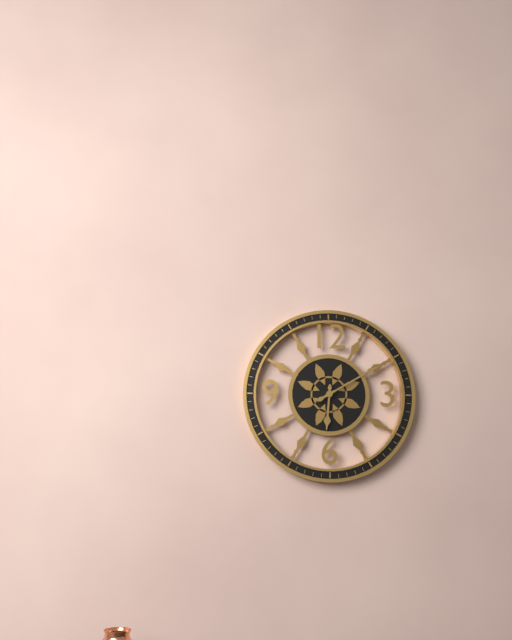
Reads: h=6 m=10
